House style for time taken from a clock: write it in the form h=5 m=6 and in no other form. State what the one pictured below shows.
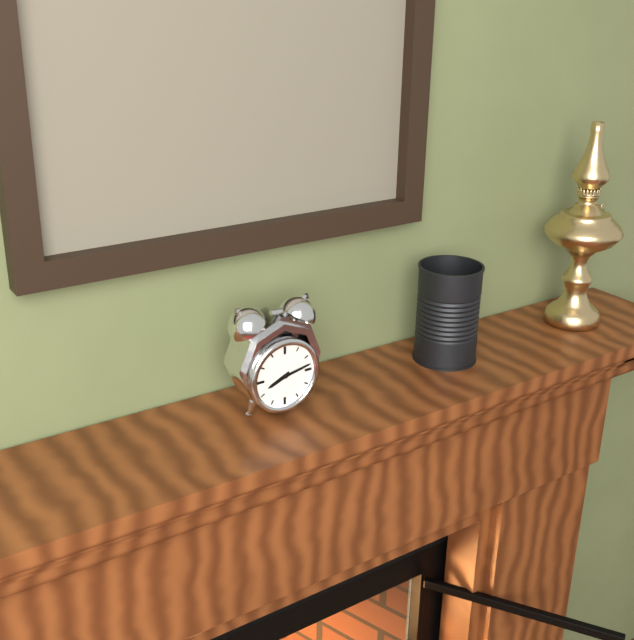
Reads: h=8 m=13
